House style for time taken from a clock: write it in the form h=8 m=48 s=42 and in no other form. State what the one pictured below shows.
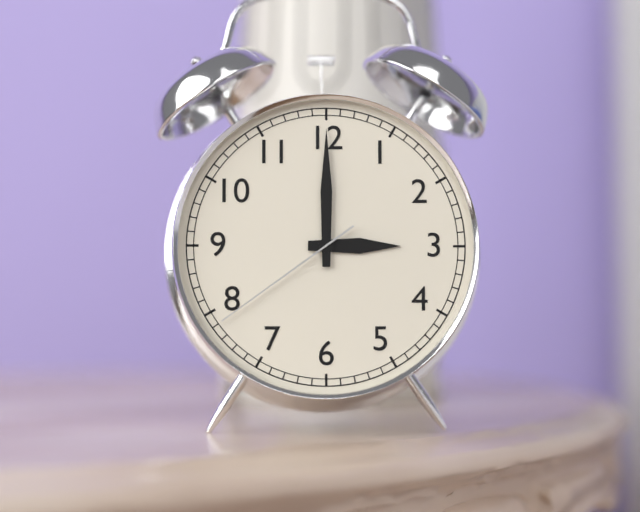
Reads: h=3 m=0 s=39
